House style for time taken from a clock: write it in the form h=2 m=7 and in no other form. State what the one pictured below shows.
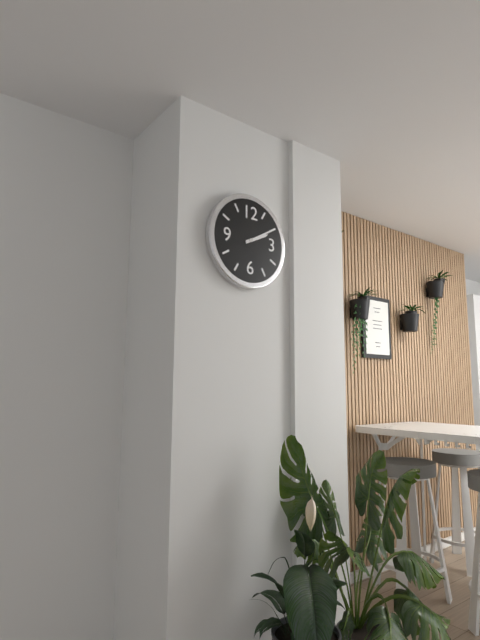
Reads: h=2 m=10
